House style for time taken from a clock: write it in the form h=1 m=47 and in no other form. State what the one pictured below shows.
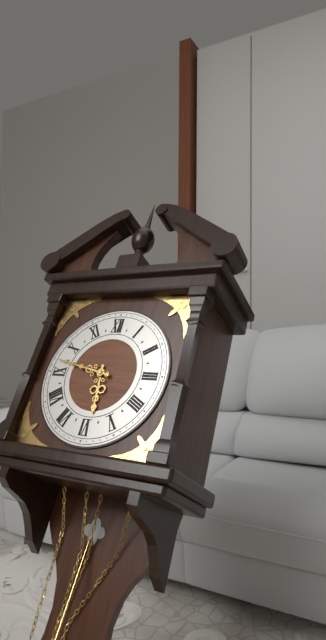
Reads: h=5 m=47
